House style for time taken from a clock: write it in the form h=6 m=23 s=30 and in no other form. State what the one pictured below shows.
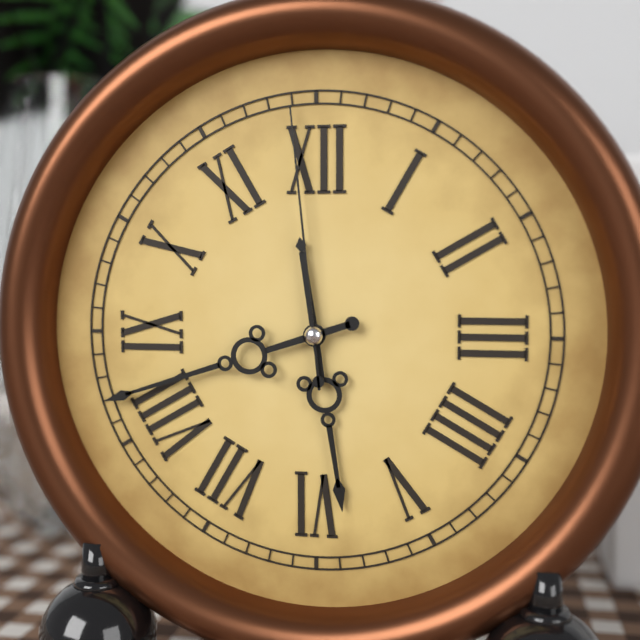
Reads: h=5 m=42 s=59
